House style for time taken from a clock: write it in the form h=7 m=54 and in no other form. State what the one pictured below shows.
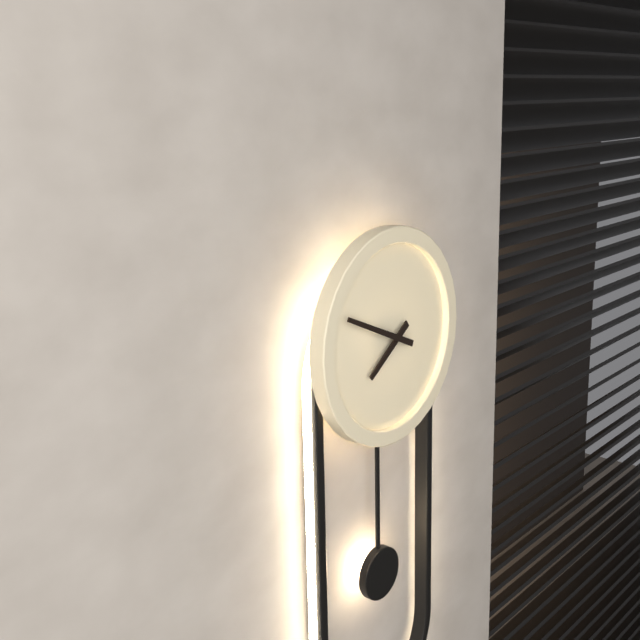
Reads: h=7 m=49
